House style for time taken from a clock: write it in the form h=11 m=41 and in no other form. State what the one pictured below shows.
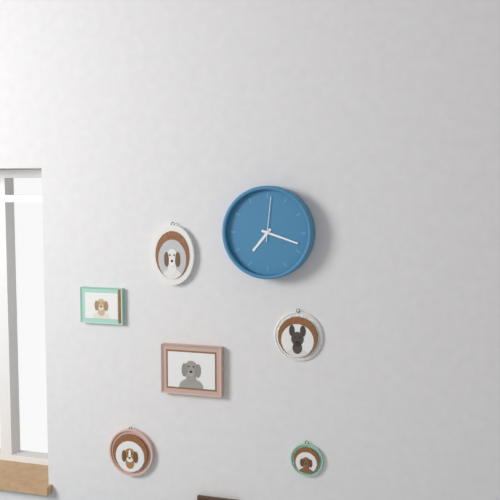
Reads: h=7 m=18
